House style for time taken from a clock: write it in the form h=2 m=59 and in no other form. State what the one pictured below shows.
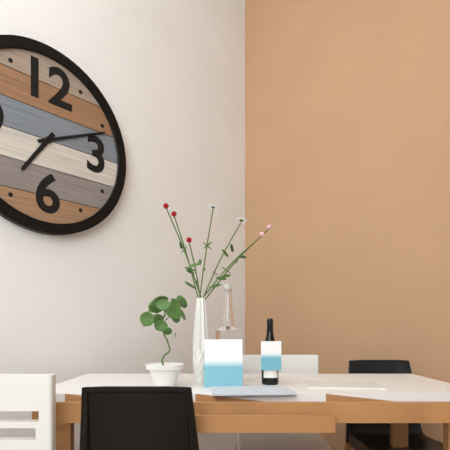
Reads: h=7 m=11
